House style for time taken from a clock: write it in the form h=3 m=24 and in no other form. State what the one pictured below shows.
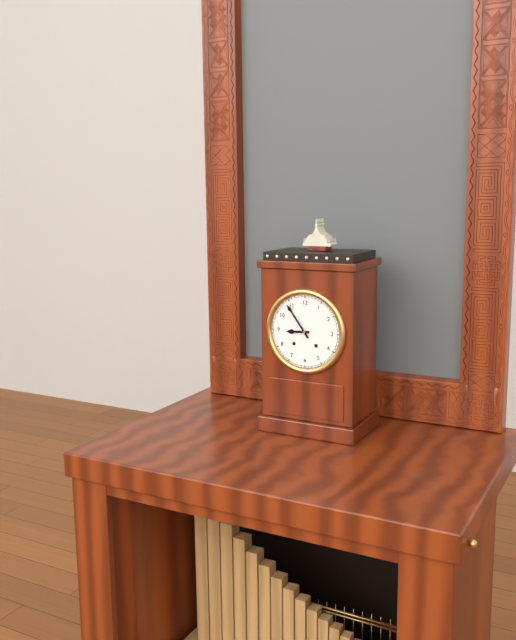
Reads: h=8 m=54
